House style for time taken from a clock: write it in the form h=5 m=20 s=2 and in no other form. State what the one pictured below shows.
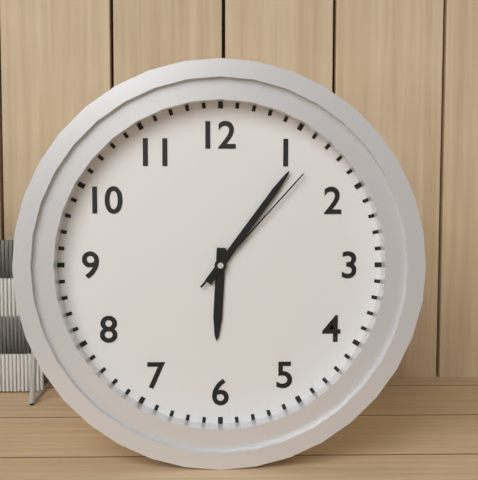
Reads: h=6 m=6 s=7
